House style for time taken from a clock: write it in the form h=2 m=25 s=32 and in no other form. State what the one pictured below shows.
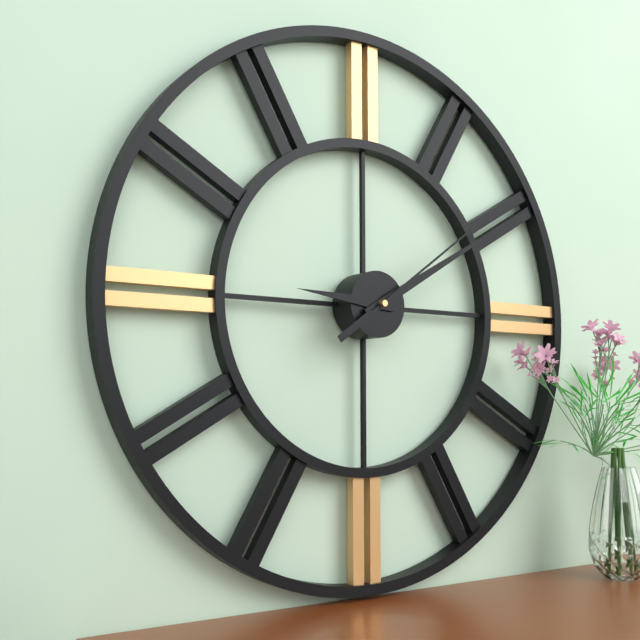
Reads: h=9 m=10 s=9
